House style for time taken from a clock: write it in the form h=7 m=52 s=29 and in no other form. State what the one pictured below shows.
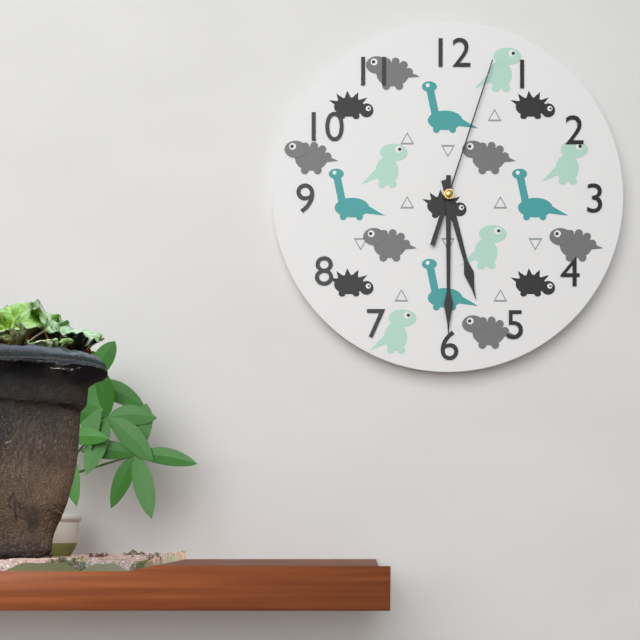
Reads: h=5 m=30 s=3
